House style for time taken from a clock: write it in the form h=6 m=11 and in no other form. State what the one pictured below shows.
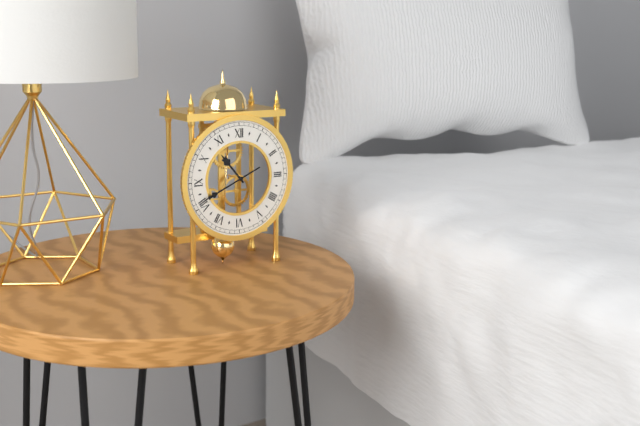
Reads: h=10 m=41
